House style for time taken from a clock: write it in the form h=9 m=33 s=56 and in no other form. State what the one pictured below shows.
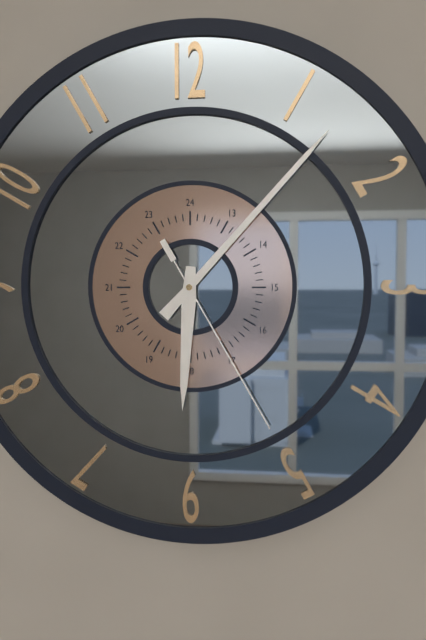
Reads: h=6 m=7 s=25
